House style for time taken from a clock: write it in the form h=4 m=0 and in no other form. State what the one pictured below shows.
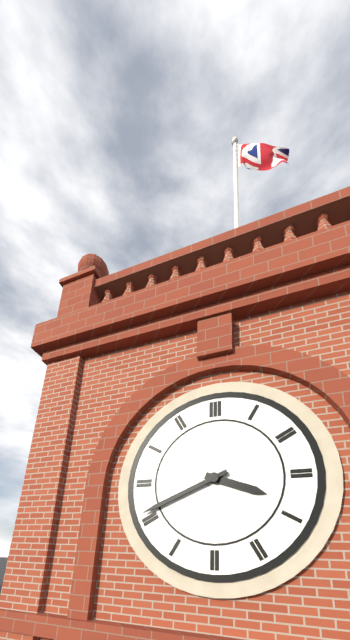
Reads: h=3 m=41
